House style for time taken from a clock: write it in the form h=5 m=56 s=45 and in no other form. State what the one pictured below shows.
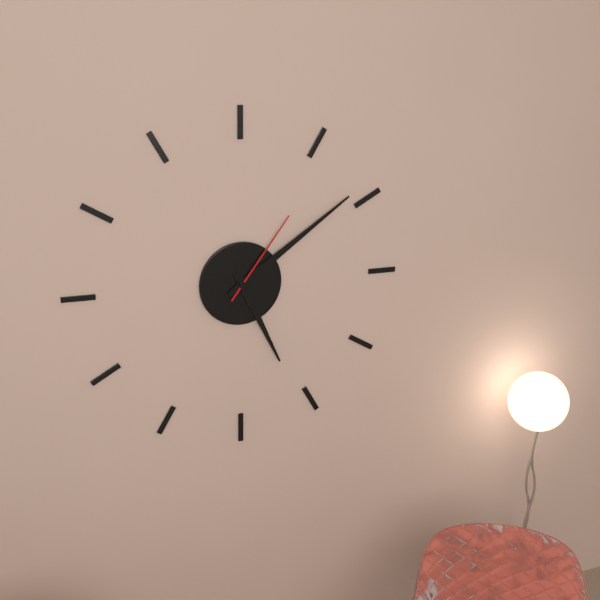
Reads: h=5 m=9 s=6
